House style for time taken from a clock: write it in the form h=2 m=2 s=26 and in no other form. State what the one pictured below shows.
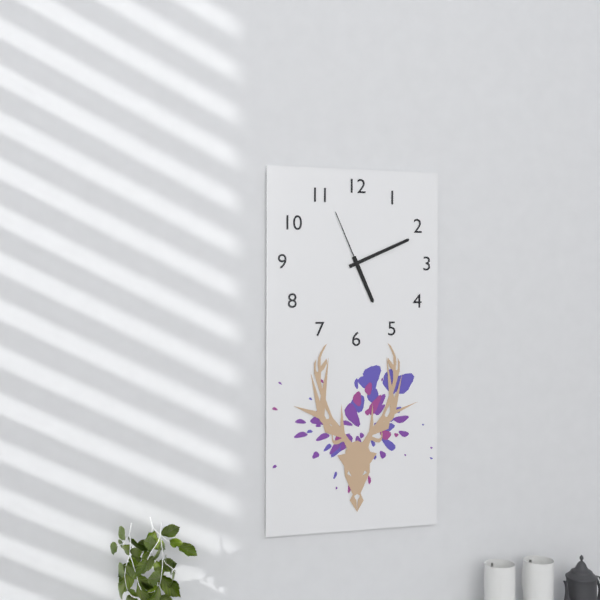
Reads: h=5 m=11 s=56
